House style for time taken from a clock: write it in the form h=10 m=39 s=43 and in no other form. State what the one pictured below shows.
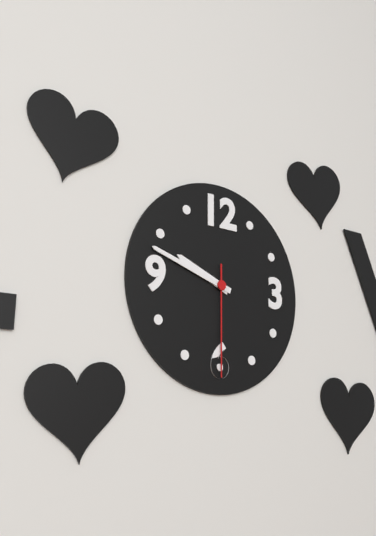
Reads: h=9 m=48 s=30
